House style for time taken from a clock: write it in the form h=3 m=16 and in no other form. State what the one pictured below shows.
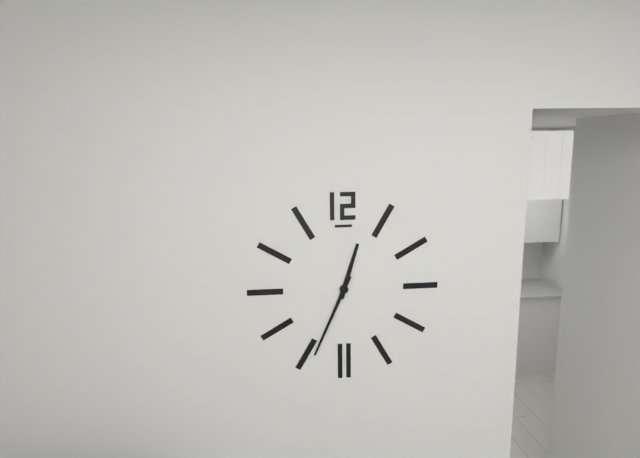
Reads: h=12 m=34
